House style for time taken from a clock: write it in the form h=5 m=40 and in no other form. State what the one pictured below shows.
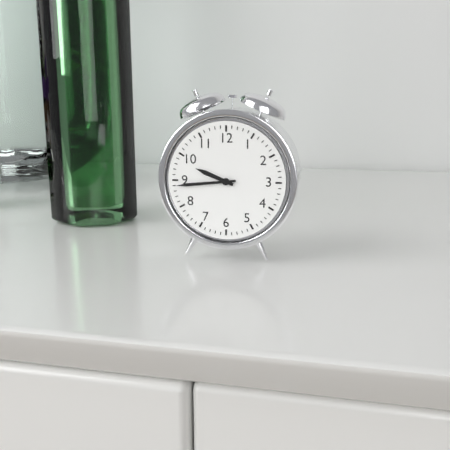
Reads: h=9 m=44
